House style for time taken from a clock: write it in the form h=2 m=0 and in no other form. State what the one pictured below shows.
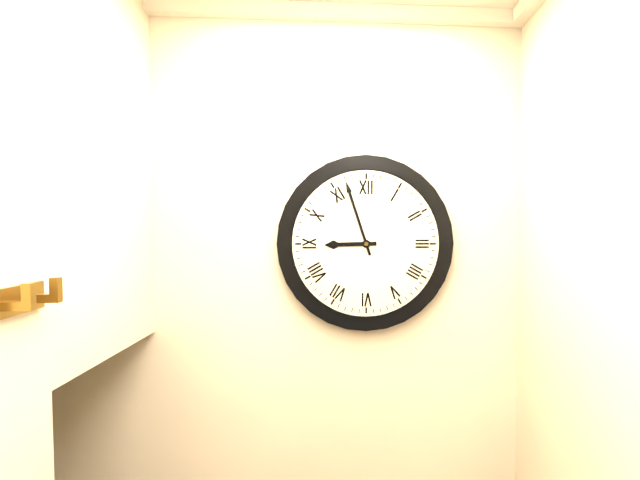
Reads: h=8 m=57
